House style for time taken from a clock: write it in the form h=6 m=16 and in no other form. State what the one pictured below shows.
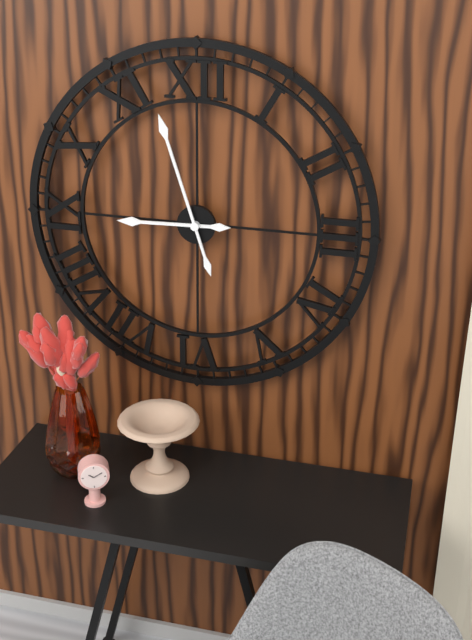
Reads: h=8 m=57
